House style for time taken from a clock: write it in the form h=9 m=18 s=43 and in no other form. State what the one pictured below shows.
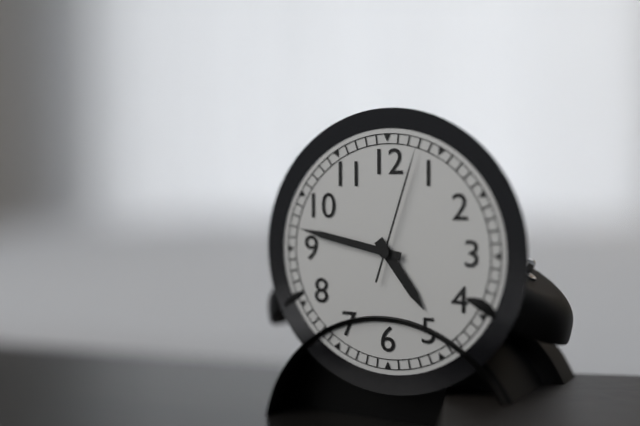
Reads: h=4 m=47 s=3
